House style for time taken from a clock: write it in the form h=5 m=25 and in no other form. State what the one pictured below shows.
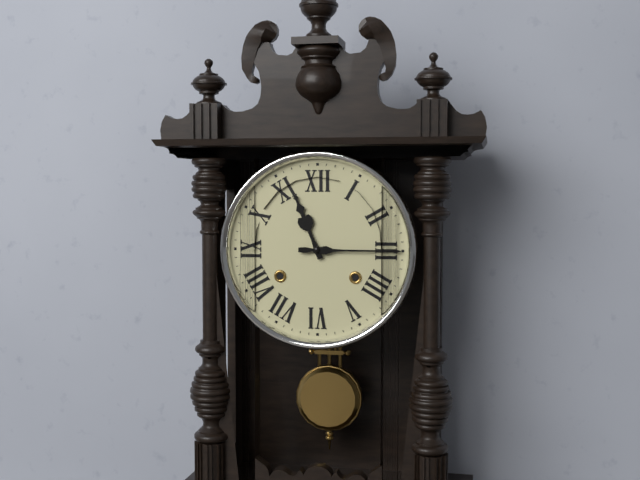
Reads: h=11 m=15
